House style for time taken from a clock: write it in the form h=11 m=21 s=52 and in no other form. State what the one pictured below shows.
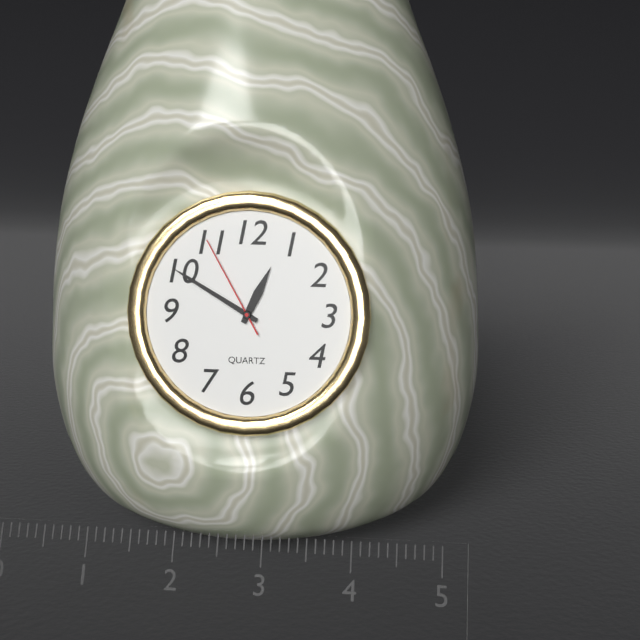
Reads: h=12 m=50 s=55
